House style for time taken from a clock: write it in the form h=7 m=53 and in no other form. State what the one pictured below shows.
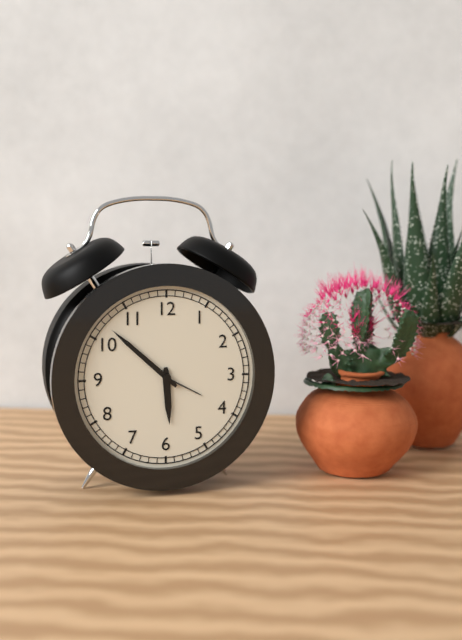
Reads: h=5 m=52
